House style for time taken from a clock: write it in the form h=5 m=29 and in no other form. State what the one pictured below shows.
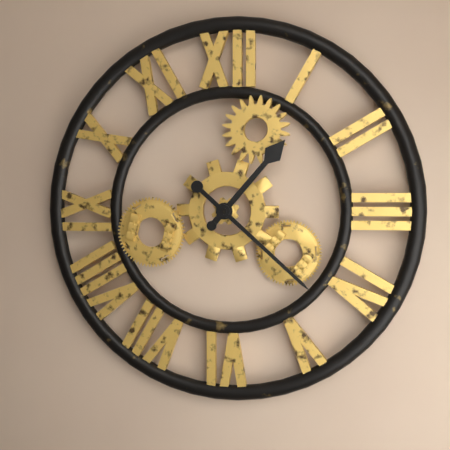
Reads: h=1 m=22
